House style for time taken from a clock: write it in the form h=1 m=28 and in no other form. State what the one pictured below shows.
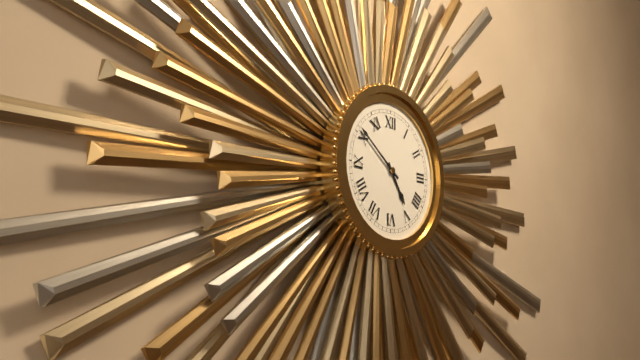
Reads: h=4 m=51
